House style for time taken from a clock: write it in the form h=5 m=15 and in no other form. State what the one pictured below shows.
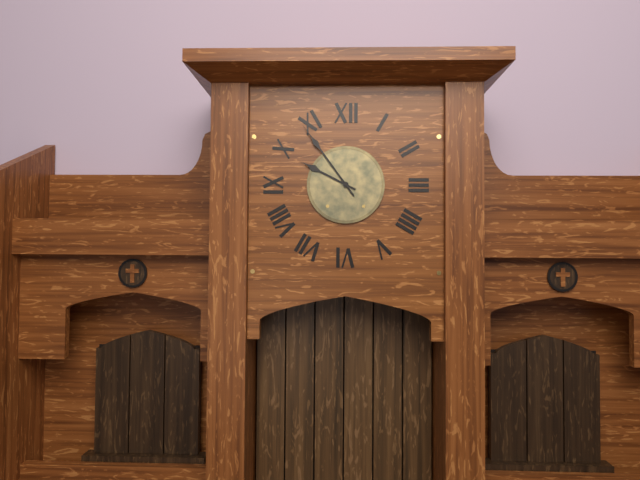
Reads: h=9 m=54
